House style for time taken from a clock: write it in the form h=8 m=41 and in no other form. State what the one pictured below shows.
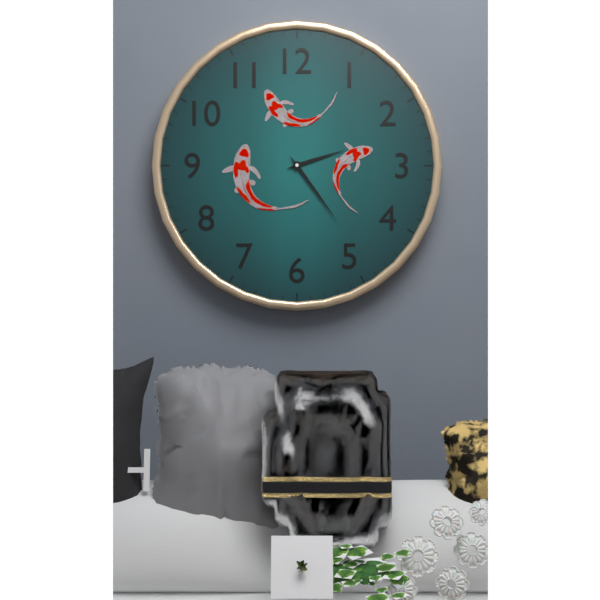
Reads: h=2 m=24
